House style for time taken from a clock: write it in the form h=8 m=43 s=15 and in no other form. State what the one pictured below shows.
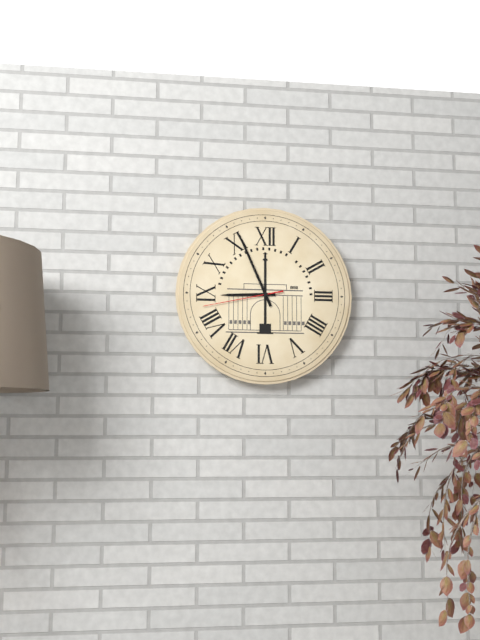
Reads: h=8 m=56 s=43
